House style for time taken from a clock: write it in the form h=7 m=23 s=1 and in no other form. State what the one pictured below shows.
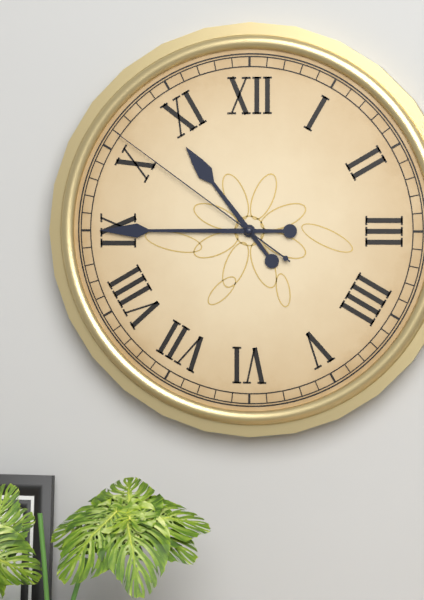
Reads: h=10 m=45 s=51
